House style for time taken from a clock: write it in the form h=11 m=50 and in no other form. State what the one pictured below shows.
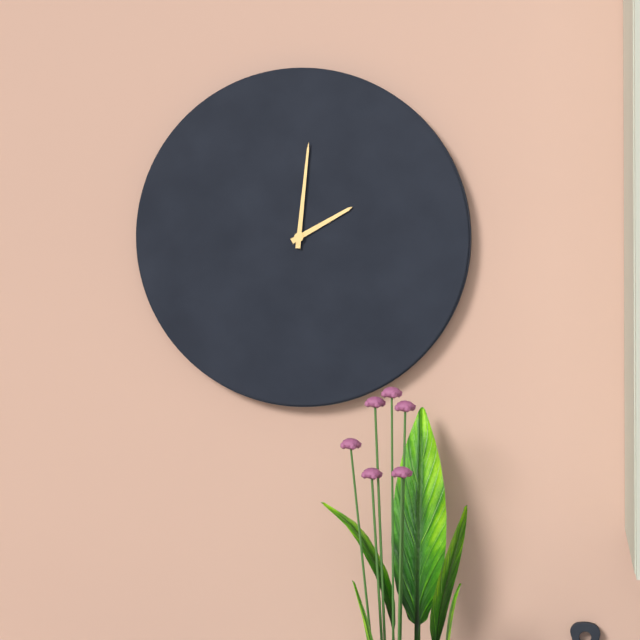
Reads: h=2 m=1
